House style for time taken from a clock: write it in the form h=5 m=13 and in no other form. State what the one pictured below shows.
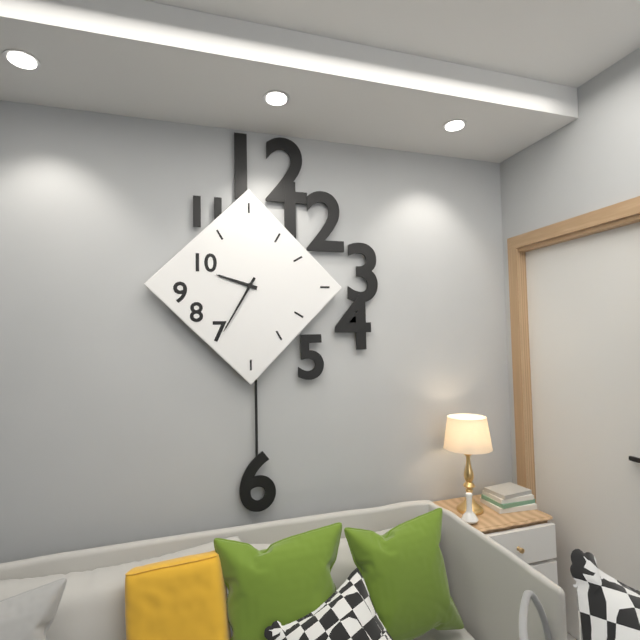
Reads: h=9 m=35
